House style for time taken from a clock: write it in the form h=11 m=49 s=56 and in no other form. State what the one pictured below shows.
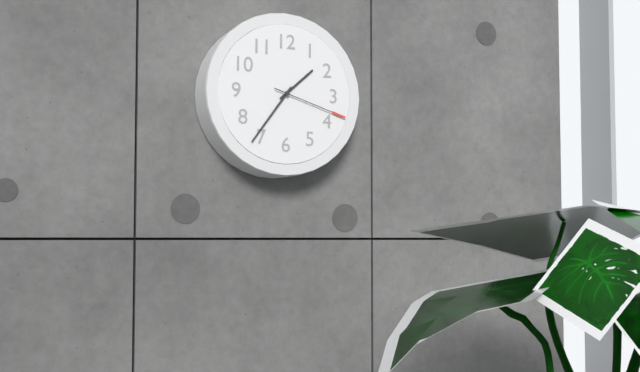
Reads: h=1 m=36 s=18
